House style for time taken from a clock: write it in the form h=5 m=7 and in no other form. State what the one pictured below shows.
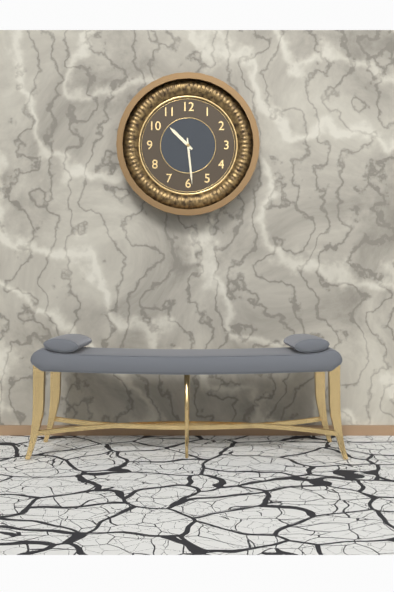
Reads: h=10 m=29
